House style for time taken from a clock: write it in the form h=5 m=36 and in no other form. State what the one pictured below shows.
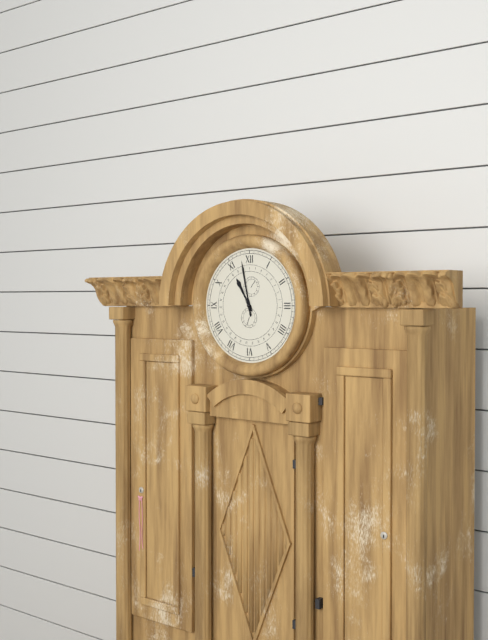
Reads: h=10 m=58
